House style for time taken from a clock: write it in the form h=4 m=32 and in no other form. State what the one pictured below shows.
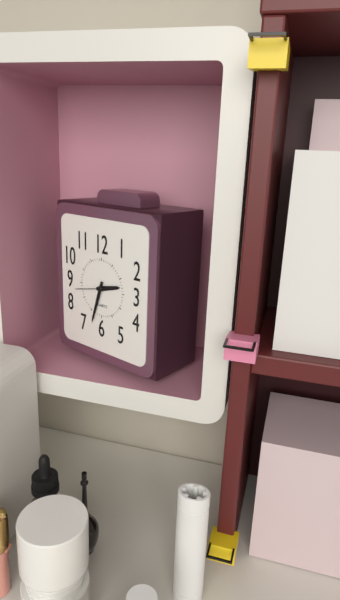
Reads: h=2 m=33
